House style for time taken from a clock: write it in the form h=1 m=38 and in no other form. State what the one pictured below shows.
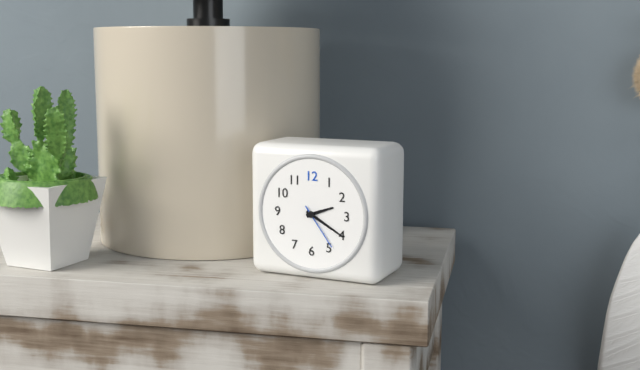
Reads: h=2 m=20
